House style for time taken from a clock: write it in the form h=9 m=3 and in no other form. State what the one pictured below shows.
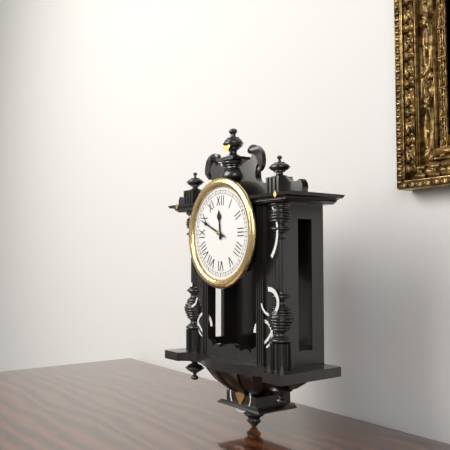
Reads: h=11 m=49
